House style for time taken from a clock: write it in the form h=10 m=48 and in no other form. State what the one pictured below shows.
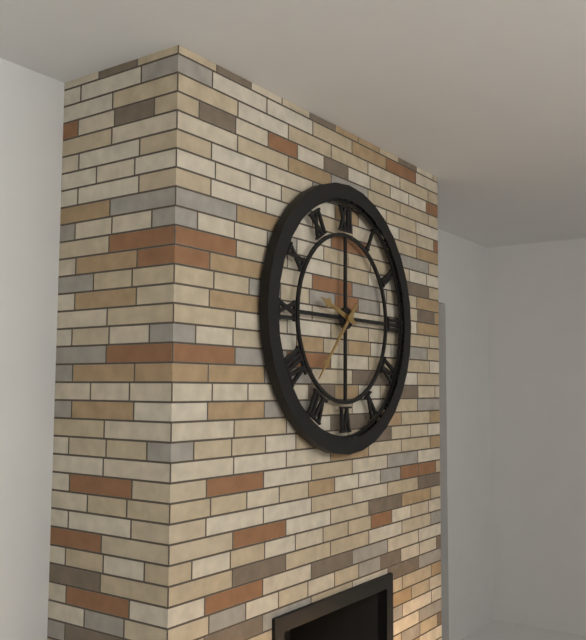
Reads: h=9 m=37
